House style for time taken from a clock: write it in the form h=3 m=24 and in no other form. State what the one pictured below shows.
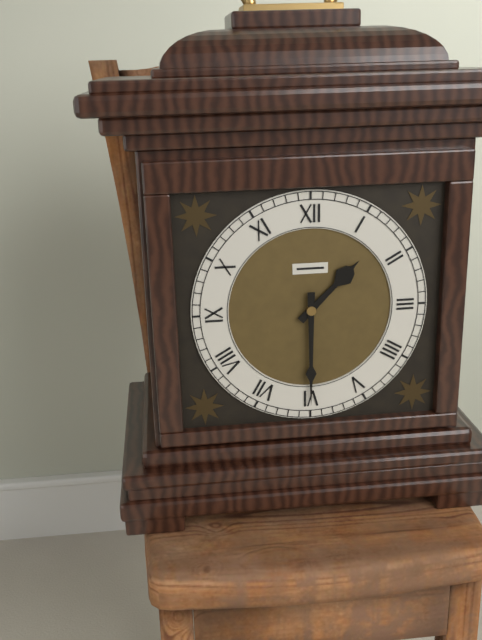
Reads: h=1 m=30
